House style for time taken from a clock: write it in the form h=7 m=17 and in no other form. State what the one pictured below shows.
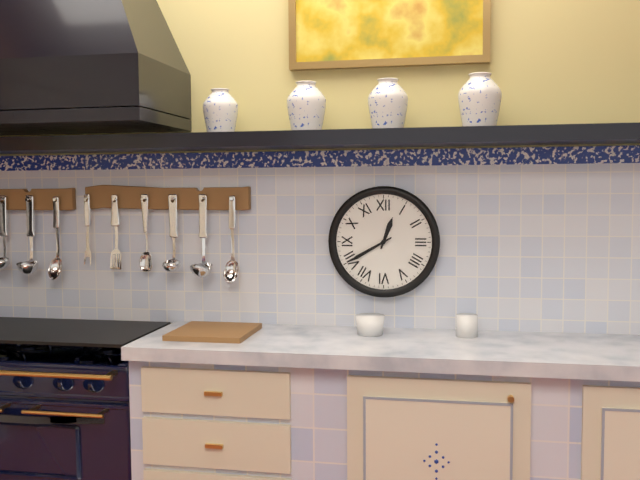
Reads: h=12 m=40
